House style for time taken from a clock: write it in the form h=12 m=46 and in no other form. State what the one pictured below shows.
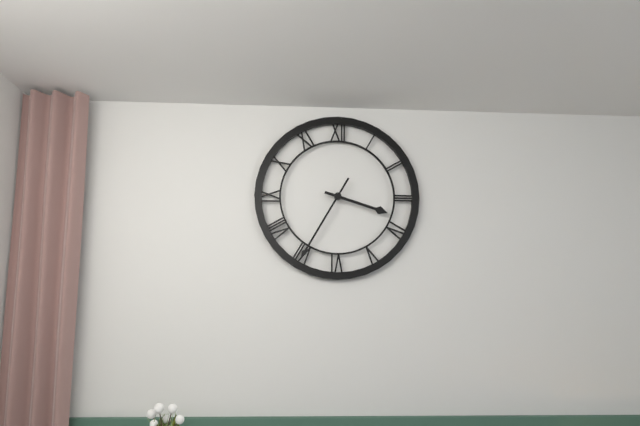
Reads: h=3 m=35
